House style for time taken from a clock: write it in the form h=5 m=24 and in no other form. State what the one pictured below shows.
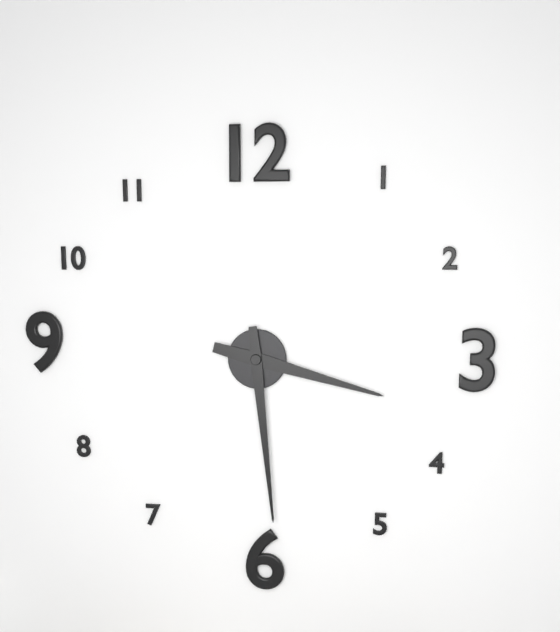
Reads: h=3 m=29
